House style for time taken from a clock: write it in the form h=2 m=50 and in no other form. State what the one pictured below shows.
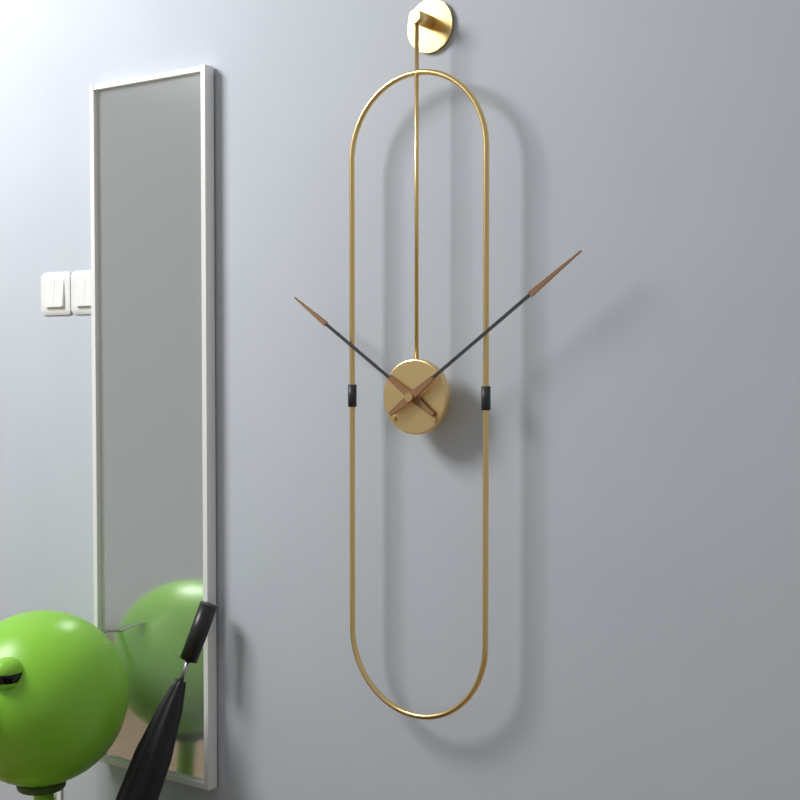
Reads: h=10 m=9
